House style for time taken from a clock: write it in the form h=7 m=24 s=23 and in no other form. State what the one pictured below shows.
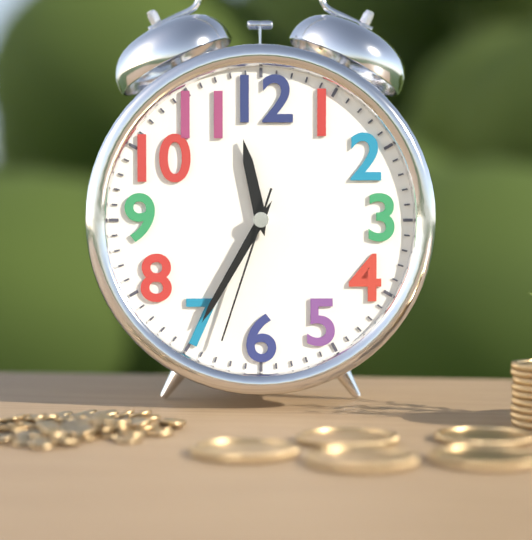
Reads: h=11 m=35 s=33
